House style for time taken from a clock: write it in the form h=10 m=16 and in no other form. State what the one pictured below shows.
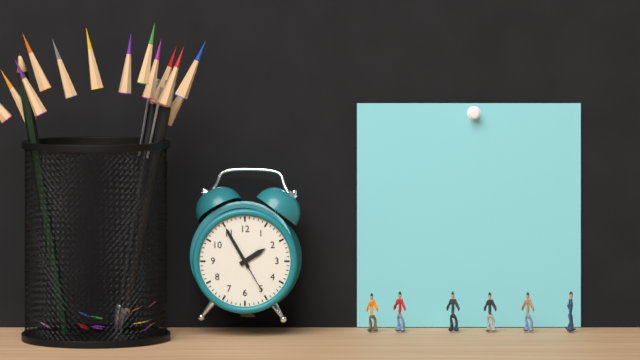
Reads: h=1 m=55
